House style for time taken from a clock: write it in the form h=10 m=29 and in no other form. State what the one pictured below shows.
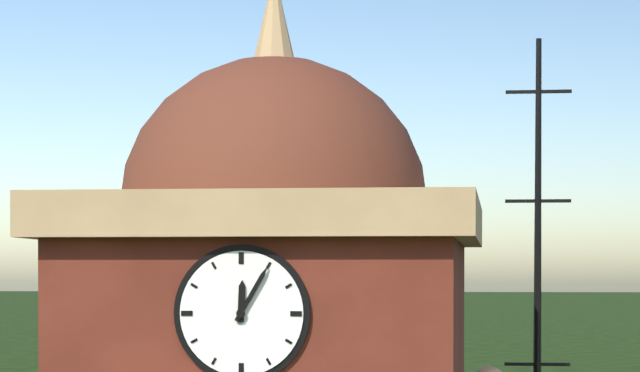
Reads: h=12 m=5
